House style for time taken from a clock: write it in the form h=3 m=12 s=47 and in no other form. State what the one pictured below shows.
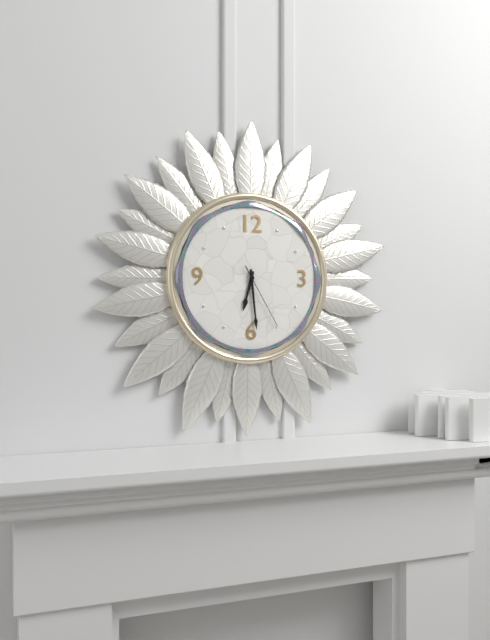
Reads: h=6 m=29 s=25
